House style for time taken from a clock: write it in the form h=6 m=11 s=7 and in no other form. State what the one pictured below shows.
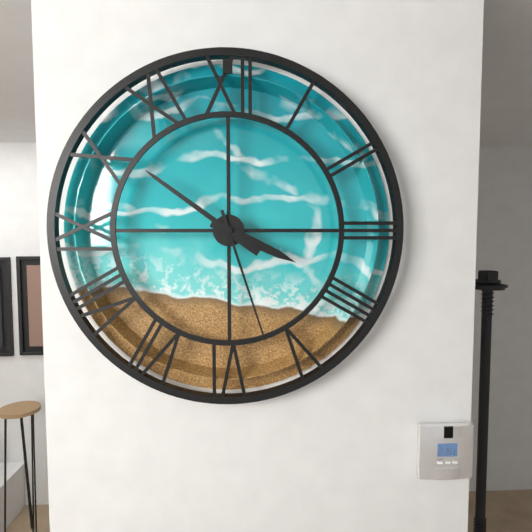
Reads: h=3 m=51 s=27
